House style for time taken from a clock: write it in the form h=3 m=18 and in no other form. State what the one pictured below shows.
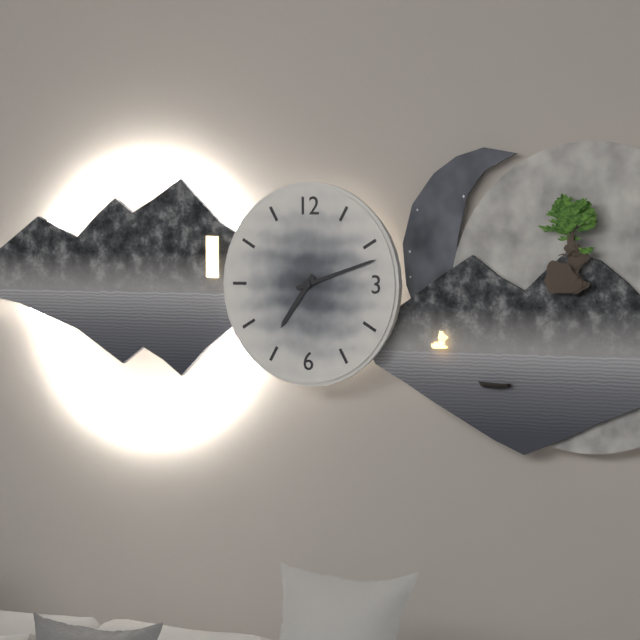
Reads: h=7 m=12
